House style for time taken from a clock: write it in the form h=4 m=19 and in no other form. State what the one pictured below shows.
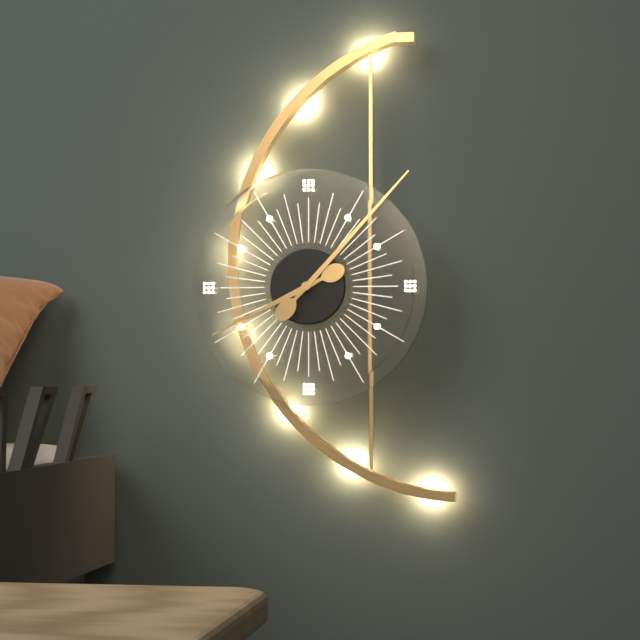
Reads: h=8 m=7
